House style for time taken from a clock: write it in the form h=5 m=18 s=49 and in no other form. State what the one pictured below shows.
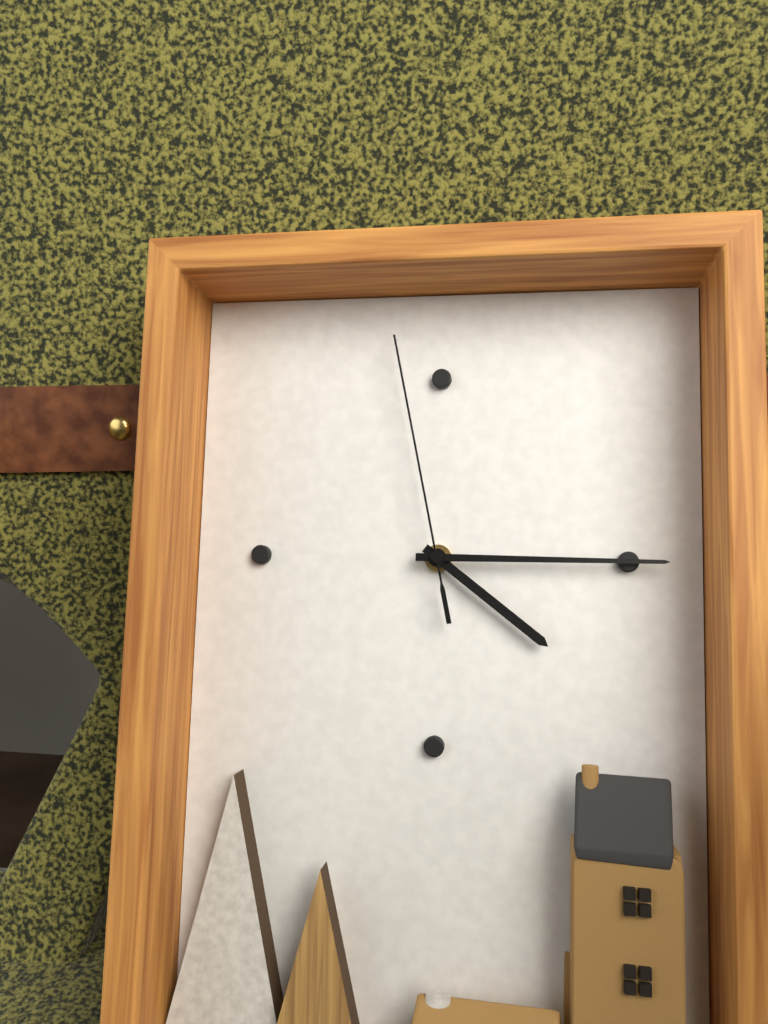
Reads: h=4 m=15 s=58
